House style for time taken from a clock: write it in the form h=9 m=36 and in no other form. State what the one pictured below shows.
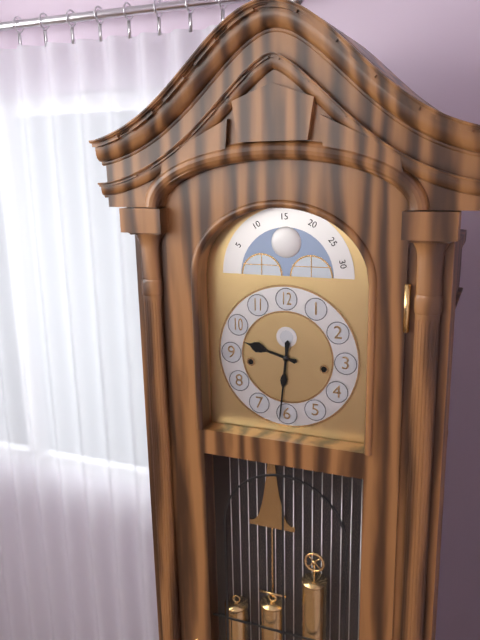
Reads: h=9 m=31
